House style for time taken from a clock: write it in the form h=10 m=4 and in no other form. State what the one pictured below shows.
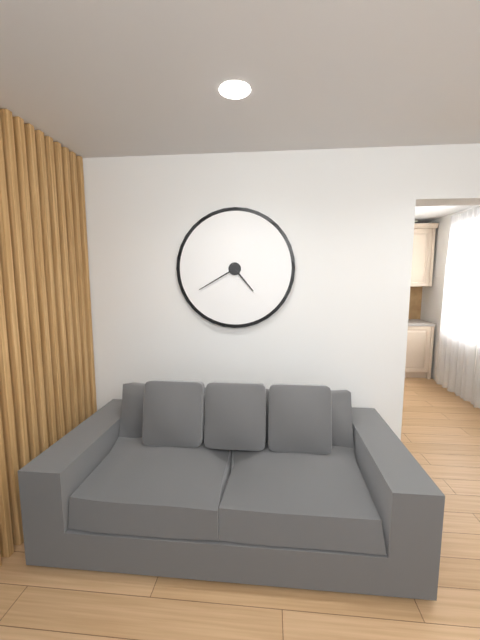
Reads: h=4 m=40
